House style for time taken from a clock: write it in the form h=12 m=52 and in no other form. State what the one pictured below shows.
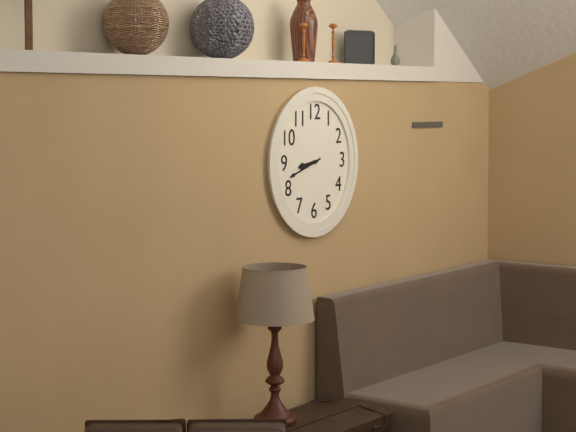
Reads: h=8 m=42
